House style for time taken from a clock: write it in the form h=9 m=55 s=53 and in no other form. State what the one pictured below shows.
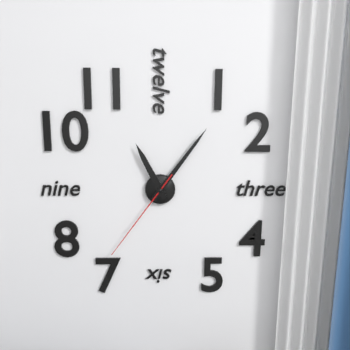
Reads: h=11 m=6 s=36
